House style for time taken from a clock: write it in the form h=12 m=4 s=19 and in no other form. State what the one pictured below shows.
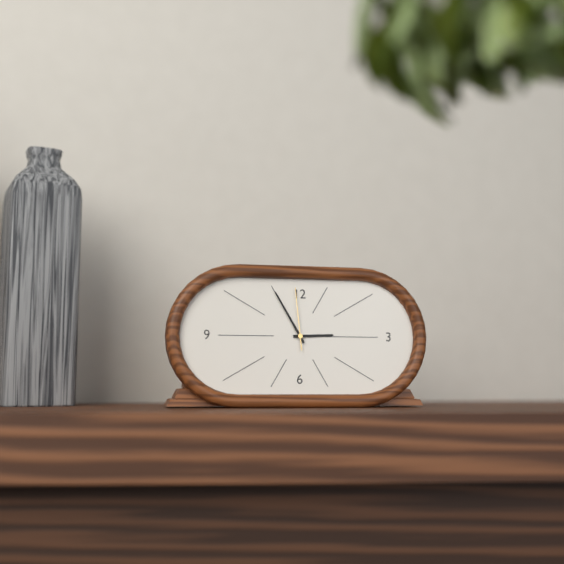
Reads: h=2 m=55 s=59
